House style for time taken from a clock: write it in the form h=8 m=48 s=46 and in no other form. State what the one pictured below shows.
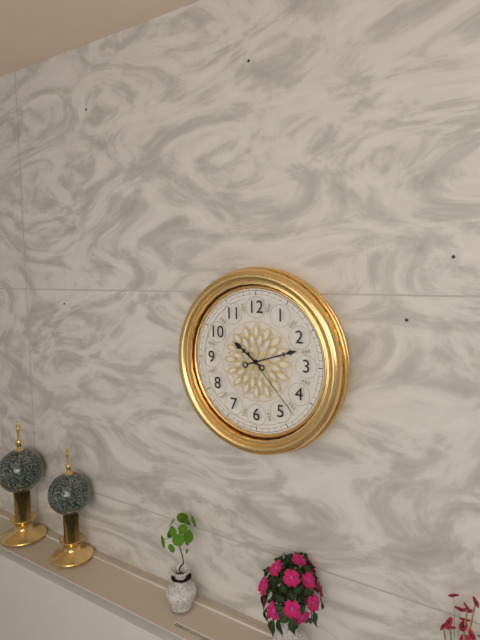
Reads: h=10 m=12 s=23
